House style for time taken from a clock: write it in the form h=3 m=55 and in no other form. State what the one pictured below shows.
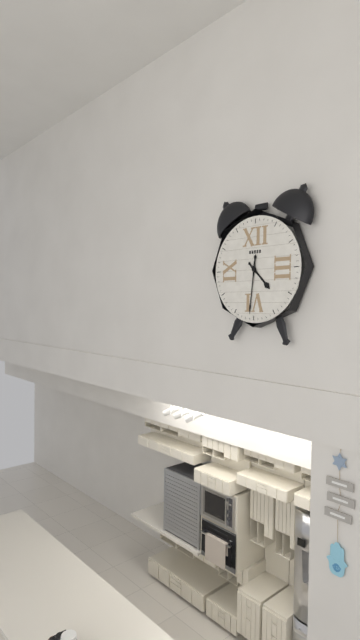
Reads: h=4 m=31
